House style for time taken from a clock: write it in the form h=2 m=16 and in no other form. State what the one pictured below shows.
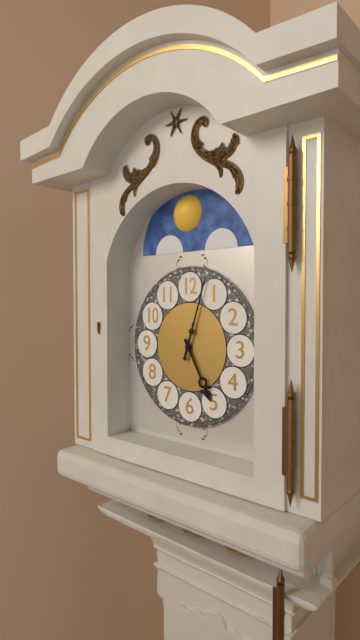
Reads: h=5 m=3
